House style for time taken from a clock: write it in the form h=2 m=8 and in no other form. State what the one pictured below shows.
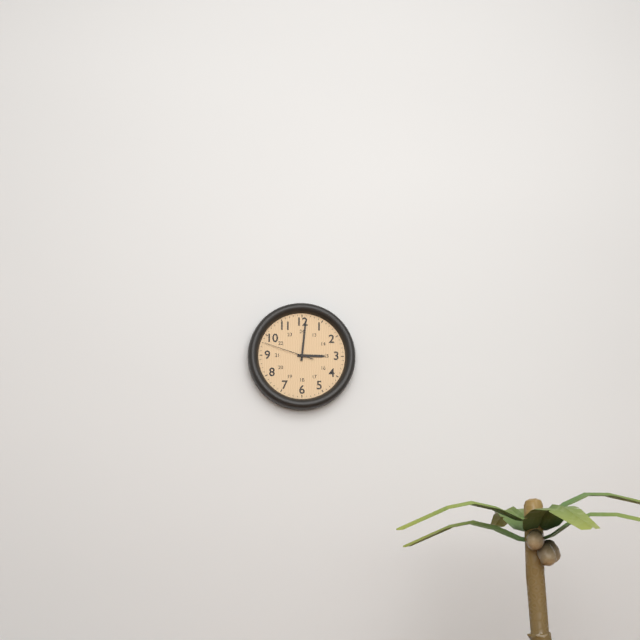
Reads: h=3 m=1
